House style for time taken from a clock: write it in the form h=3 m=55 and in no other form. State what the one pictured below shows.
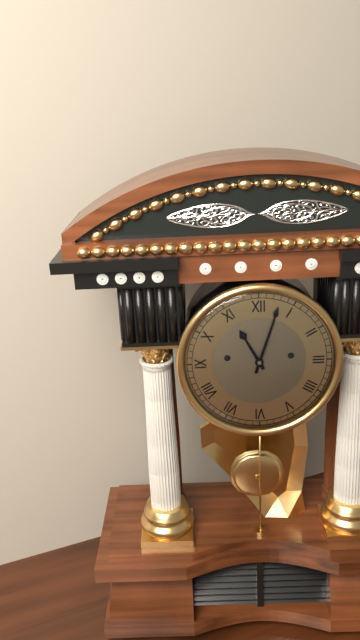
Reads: h=11 m=3
